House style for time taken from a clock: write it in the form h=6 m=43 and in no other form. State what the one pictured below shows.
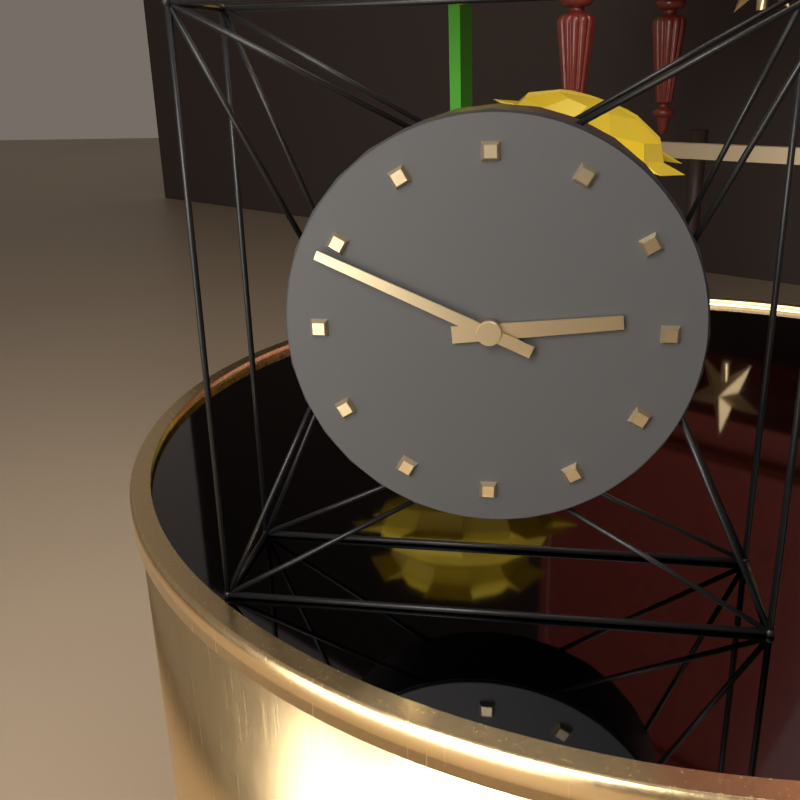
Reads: h=2 m=49
